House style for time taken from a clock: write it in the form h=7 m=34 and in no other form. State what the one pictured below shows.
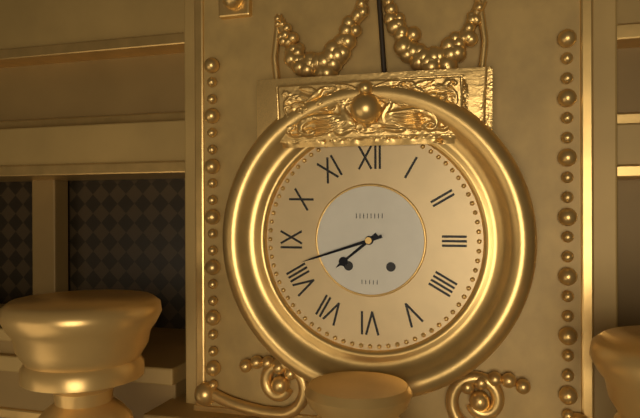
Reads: h=7 m=42
